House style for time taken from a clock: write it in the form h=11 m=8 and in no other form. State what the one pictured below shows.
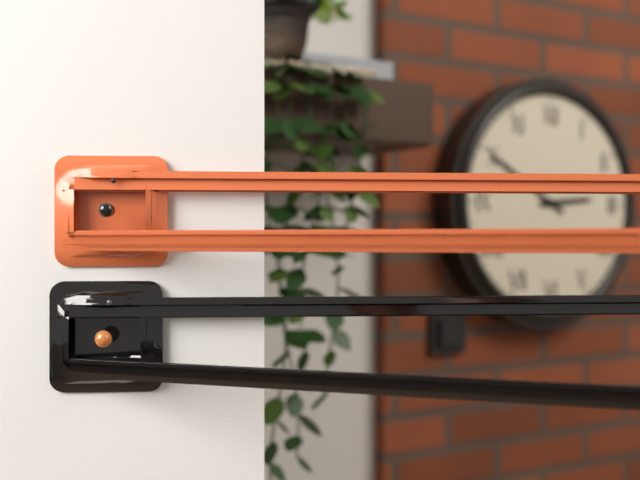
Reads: h=2 m=50
